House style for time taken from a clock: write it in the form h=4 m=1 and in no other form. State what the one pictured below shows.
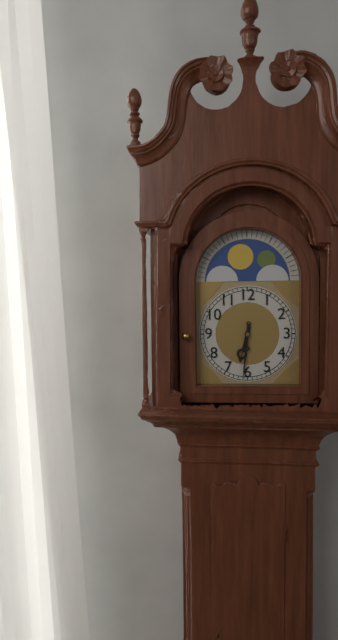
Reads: h=6 m=31
